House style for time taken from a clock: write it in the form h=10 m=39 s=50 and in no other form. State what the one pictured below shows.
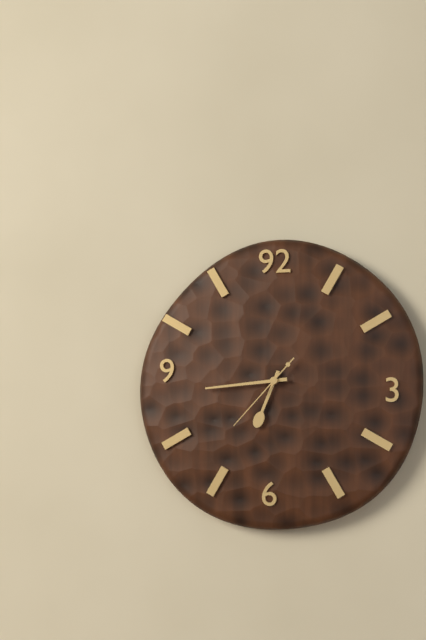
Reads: h=6 m=44 s=37
